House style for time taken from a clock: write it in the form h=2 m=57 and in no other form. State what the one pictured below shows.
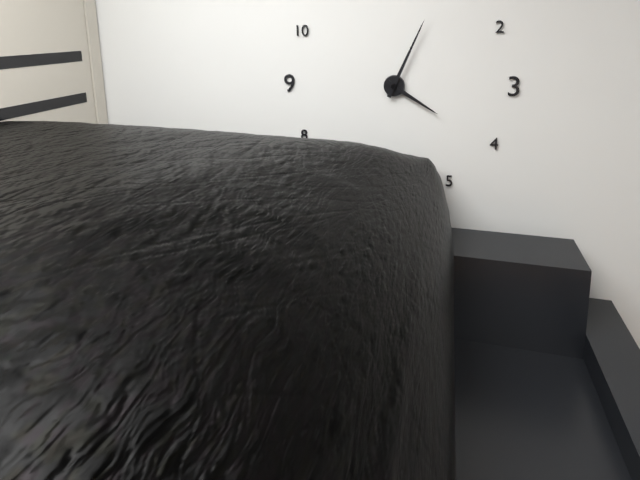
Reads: h=4 m=4
